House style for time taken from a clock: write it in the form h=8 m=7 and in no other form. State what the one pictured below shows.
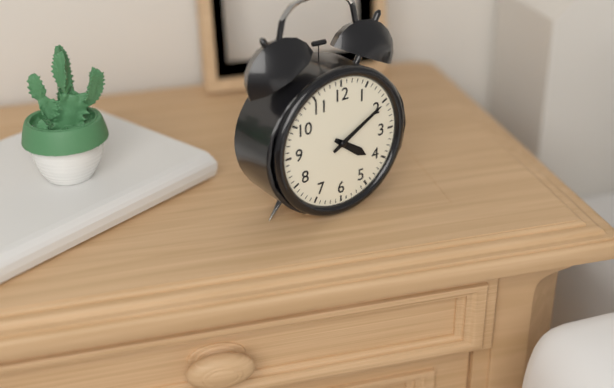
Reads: h=4 m=10
